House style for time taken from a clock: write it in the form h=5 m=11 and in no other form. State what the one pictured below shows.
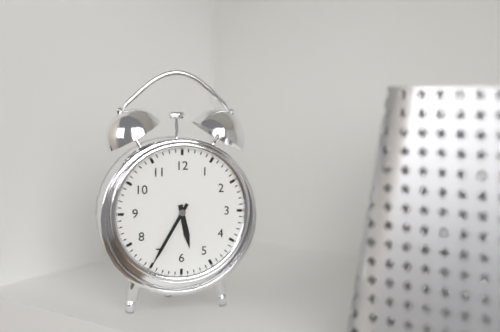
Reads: h=5 m=35
